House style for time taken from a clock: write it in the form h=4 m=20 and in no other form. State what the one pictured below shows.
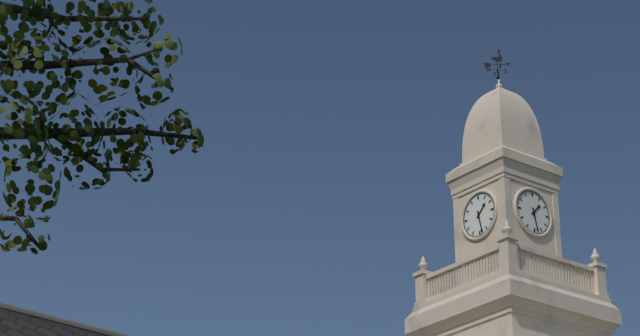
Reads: h=1 m=28
